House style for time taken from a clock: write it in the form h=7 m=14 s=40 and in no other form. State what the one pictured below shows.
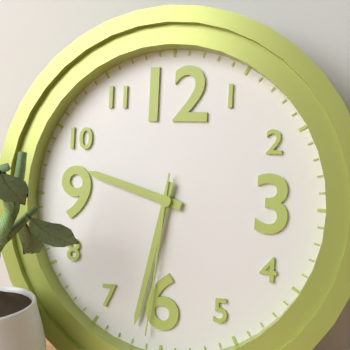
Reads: h=9 m=32 s=31
